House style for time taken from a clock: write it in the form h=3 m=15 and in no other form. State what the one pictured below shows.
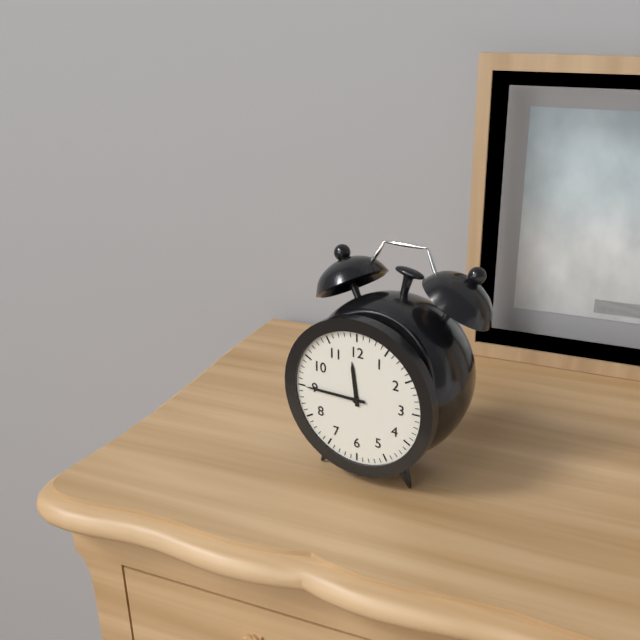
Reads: h=11 m=45
